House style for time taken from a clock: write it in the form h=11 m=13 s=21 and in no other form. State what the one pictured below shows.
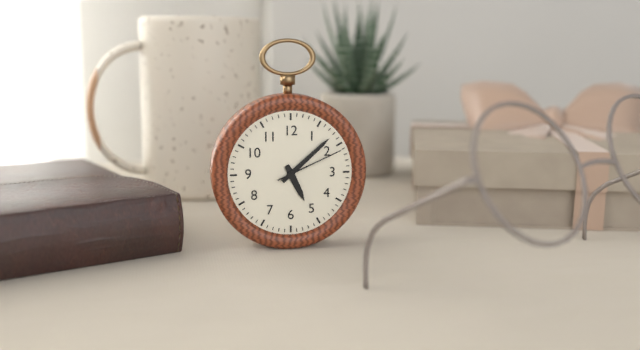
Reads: h=5 m=8 s=11
